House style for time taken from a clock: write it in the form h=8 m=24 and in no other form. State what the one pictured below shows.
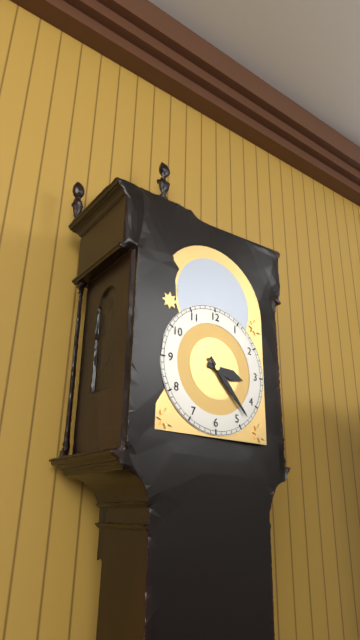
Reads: h=3 m=23
